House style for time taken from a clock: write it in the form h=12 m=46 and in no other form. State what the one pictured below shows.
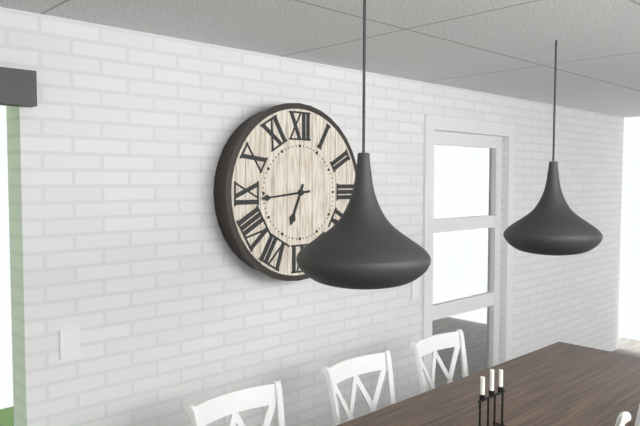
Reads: h=6 m=44
